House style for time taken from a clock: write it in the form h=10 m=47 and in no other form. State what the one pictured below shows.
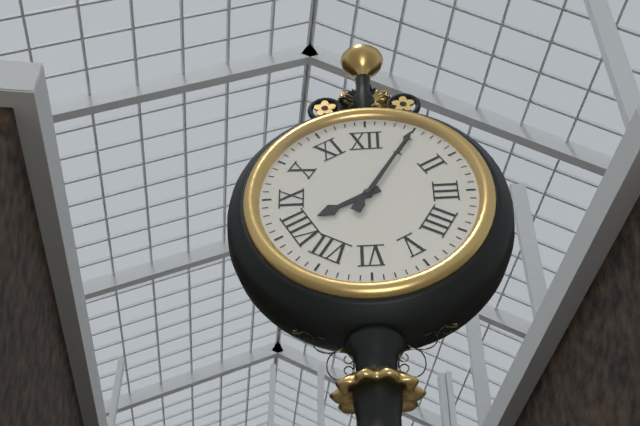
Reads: h=8 m=5
